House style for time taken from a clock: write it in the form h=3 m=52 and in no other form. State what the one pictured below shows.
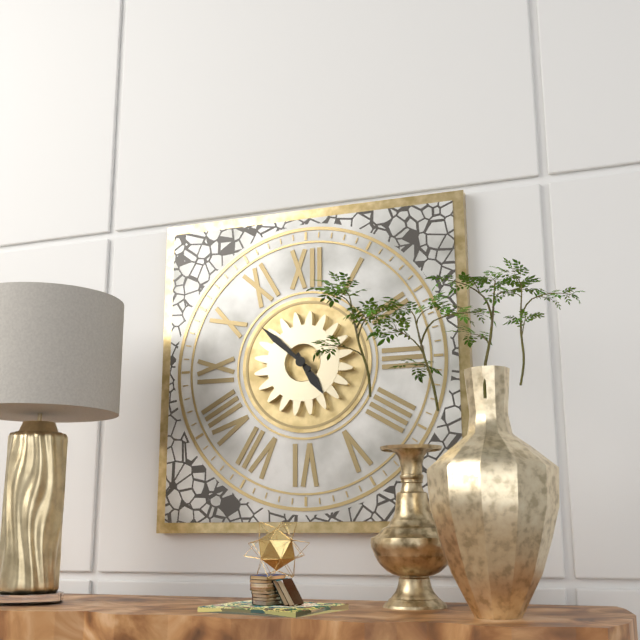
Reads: h=4 m=52
